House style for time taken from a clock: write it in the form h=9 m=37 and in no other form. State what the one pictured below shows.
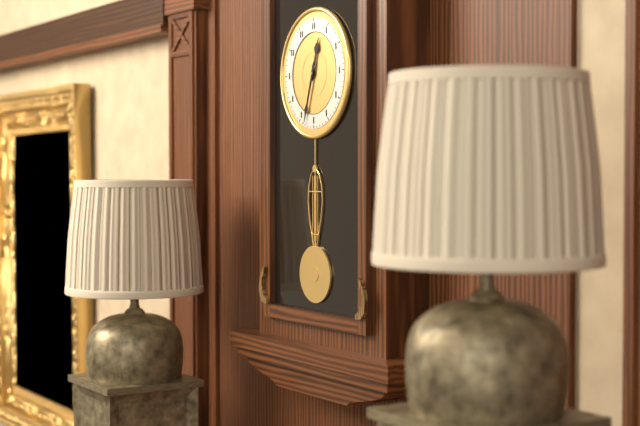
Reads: h=12 m=33
